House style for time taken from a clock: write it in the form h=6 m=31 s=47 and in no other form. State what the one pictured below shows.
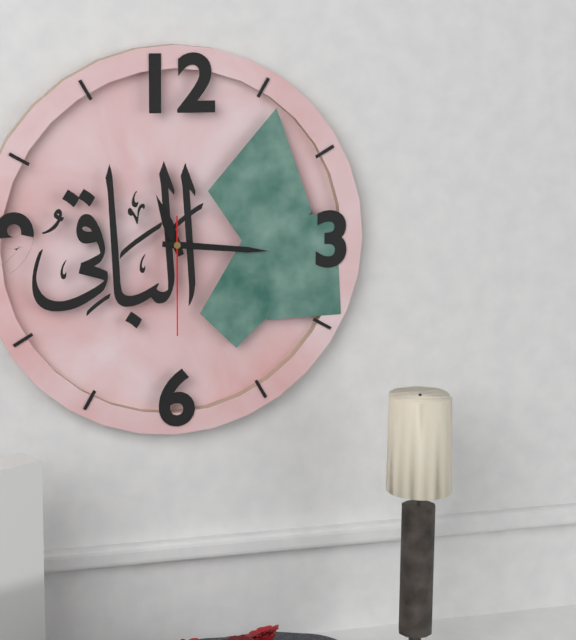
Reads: h=11 m=16 s=30
